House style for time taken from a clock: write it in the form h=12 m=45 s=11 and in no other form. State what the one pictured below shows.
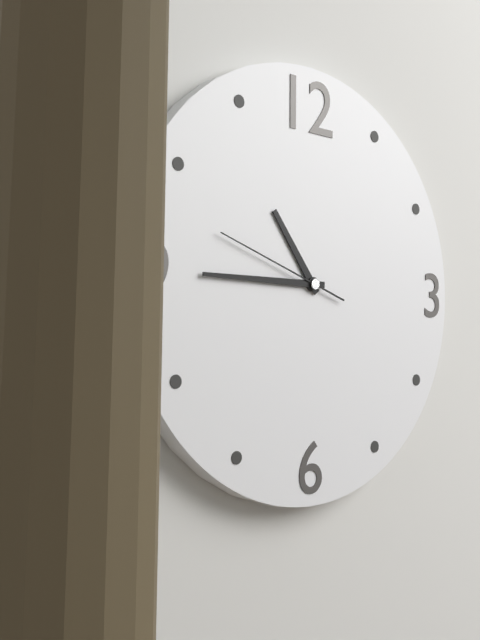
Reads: h=10 m=45 s=48
